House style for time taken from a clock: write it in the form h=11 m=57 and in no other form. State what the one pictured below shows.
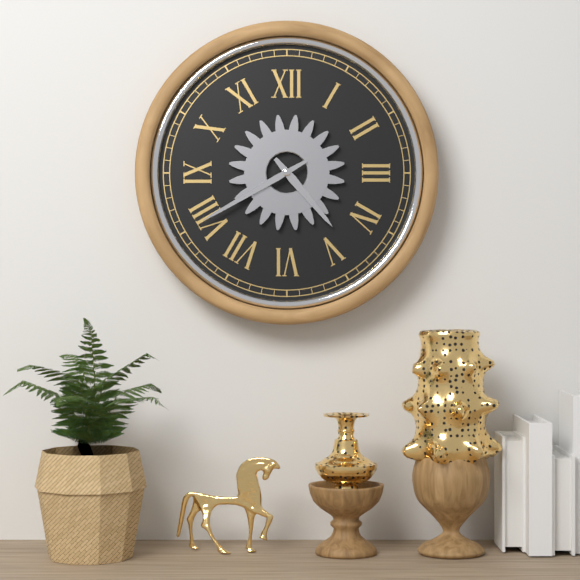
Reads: h=4 m=40
